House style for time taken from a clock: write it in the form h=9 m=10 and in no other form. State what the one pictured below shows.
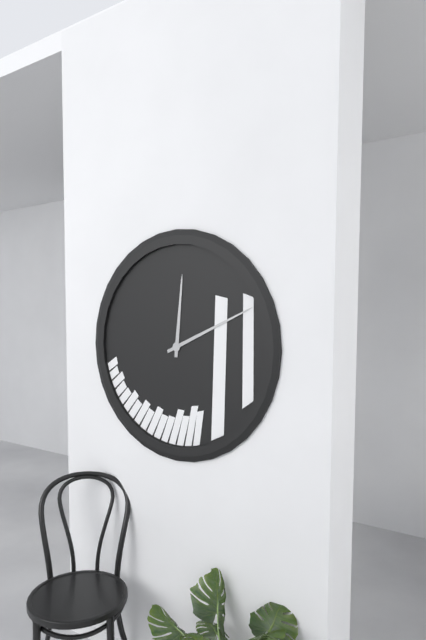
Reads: h=12 m=11
